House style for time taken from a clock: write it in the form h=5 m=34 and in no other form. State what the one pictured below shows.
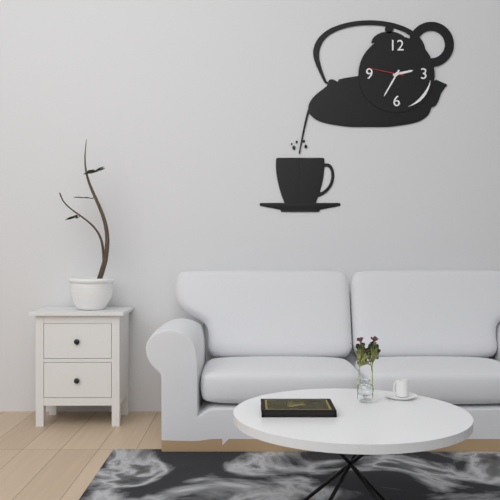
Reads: h=2 m=35
